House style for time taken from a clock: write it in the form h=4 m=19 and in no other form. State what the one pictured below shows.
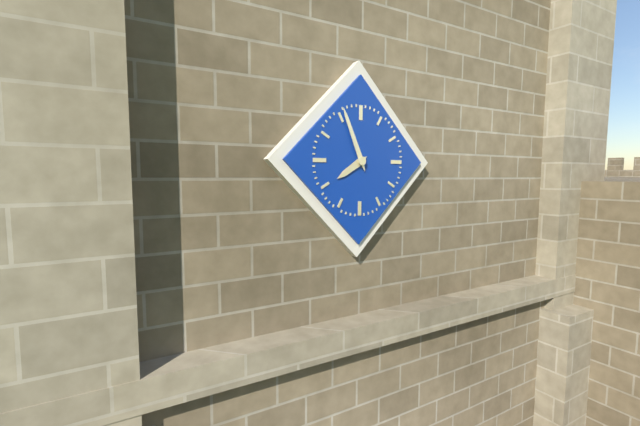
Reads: h=7 m=56
